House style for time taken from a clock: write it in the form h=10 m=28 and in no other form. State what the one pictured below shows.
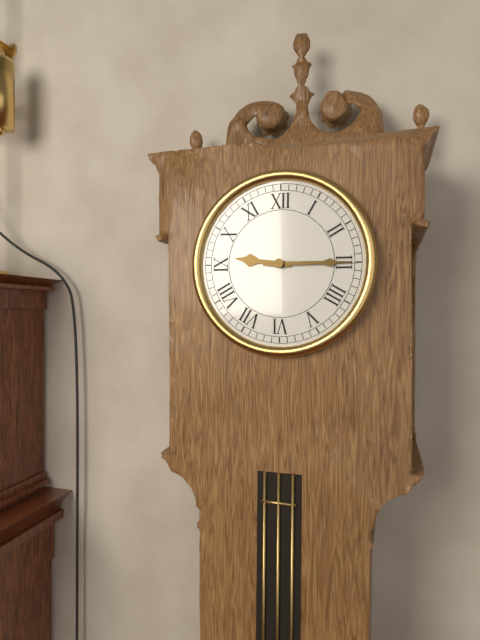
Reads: h=9 m=15
